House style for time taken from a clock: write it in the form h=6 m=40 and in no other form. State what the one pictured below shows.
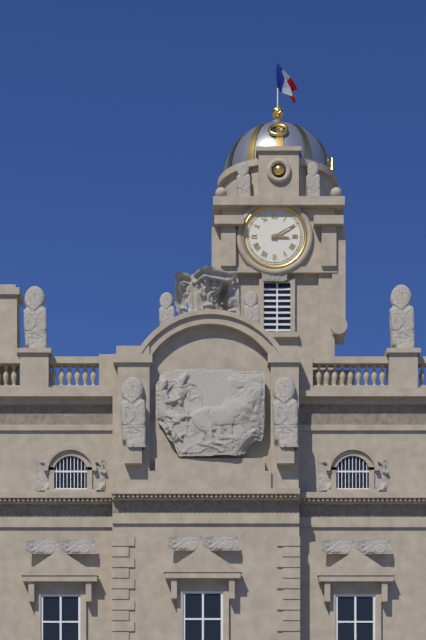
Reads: h=3 m=10
